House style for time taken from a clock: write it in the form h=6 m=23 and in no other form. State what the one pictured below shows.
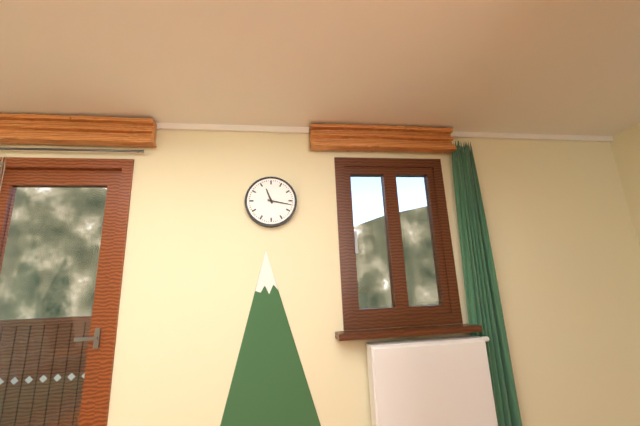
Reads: h=11 m=17
